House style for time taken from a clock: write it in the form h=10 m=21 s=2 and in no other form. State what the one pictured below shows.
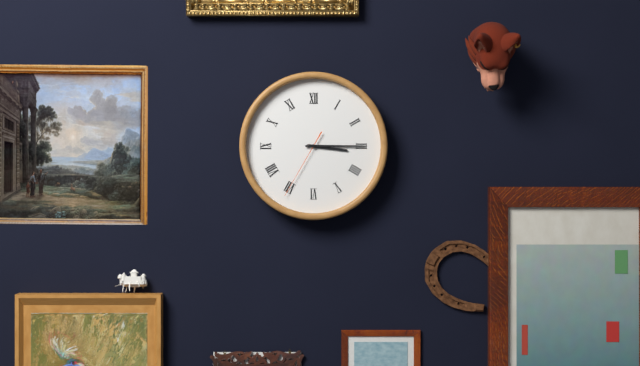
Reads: h=3 m=15 s=35
